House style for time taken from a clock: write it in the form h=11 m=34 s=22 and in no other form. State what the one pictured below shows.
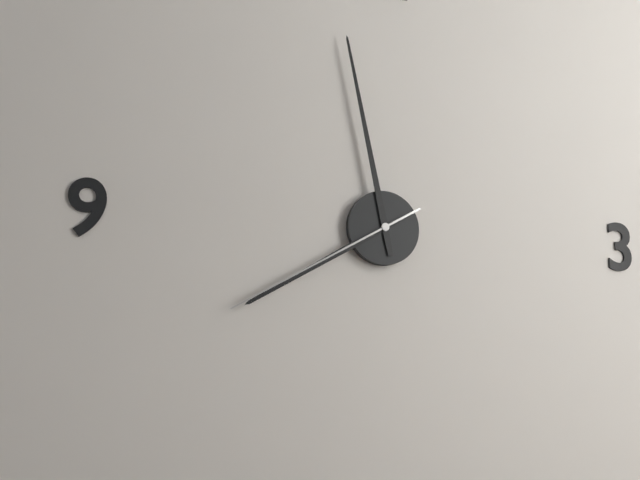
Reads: h=7 m=58 s=40
